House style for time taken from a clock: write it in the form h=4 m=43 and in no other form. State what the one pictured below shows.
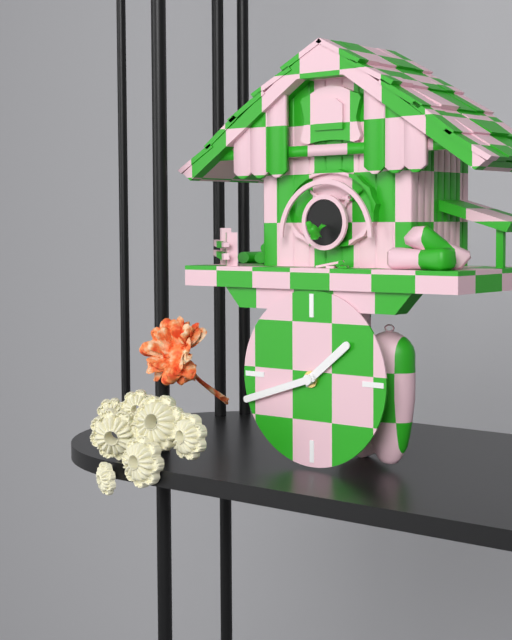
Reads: h=1 m=42
